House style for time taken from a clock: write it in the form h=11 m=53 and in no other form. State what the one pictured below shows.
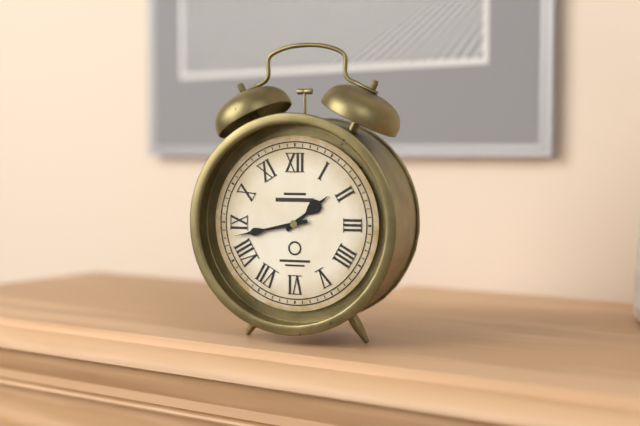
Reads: h=1 m=43
